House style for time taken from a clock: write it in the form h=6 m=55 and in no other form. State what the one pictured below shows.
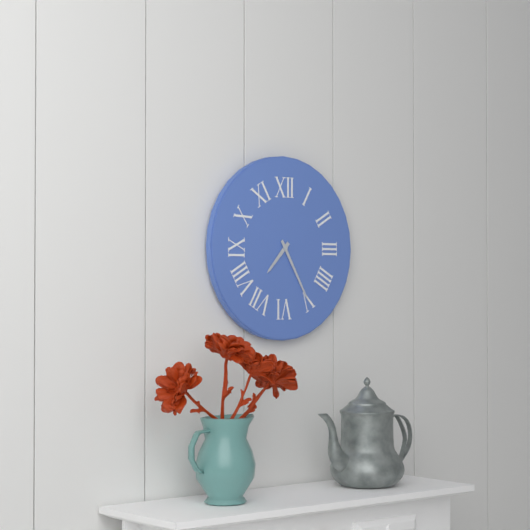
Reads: h=7 m=25
